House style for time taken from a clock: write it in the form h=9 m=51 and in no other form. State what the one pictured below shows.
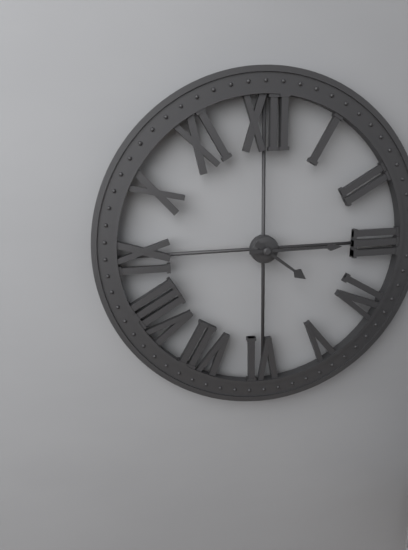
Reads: h=4 m=15
